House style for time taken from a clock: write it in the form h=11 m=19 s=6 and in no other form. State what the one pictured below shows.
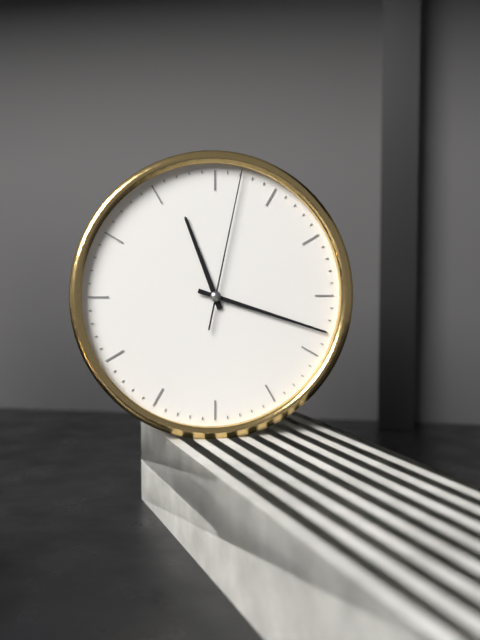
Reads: h=11 m=18 s=2
